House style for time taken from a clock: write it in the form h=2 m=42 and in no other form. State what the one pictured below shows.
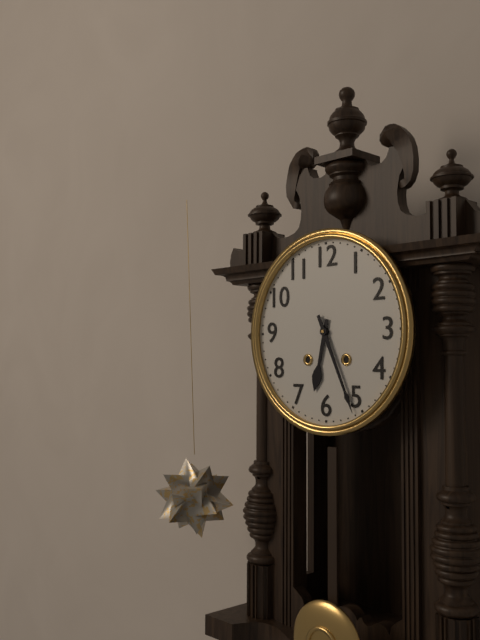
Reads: h=6 m=26
